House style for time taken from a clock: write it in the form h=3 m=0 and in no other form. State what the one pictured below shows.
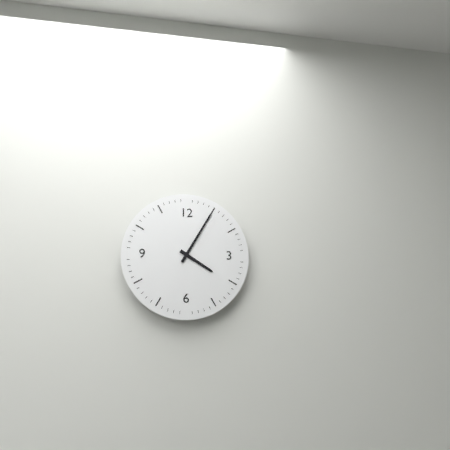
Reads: h=4 m=5
